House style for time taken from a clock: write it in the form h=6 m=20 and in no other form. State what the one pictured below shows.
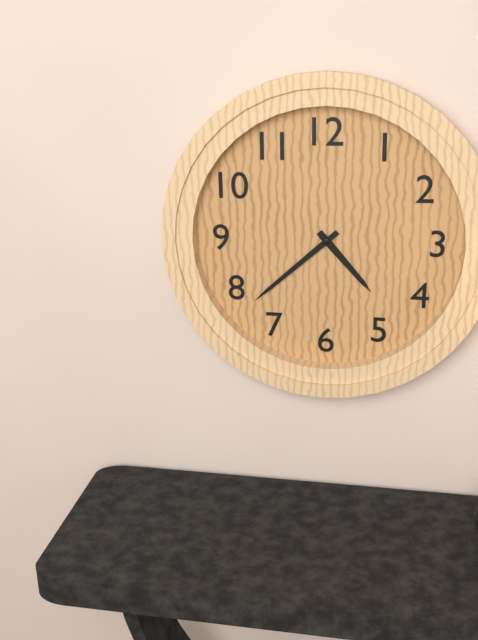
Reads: h=4 m=38
